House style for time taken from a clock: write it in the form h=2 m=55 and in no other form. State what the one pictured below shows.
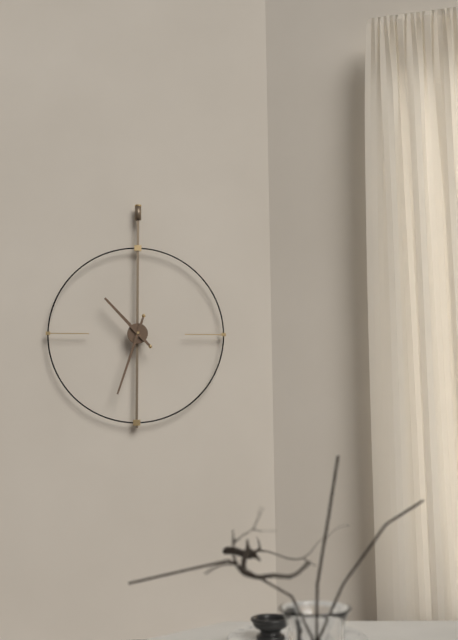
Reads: h=10 m=33
